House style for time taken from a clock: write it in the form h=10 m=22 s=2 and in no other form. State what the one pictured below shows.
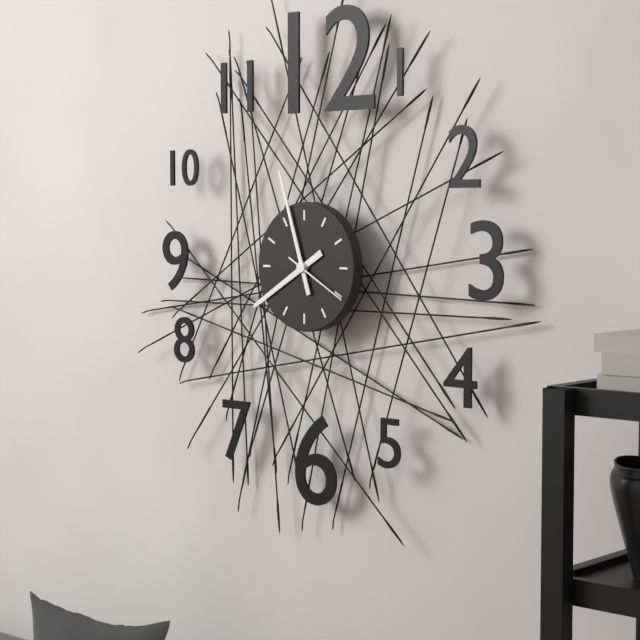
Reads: h=7 m=57 s=20
